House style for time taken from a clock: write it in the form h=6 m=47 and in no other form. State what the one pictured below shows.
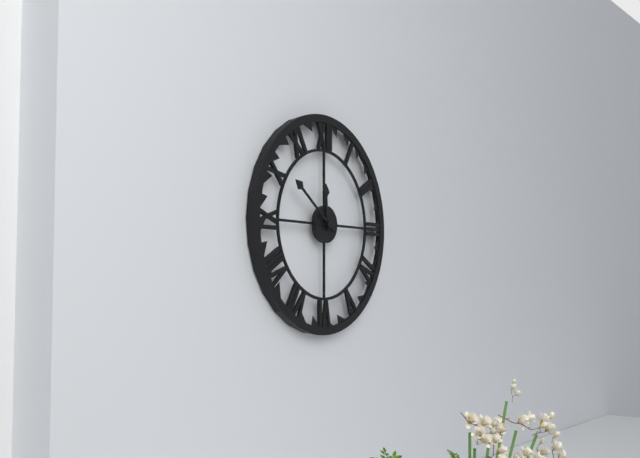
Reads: h=11 m=51
